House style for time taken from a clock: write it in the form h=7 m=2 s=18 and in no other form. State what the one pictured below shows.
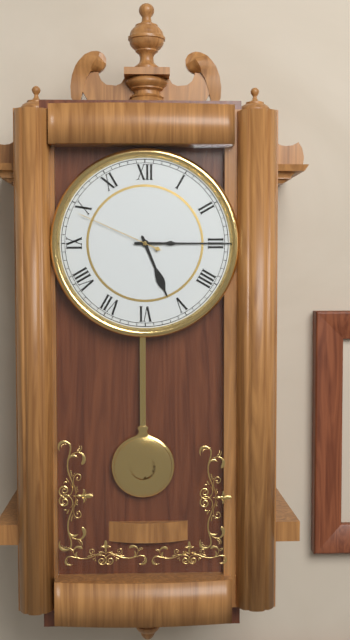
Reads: h=5 m=15 s=49
